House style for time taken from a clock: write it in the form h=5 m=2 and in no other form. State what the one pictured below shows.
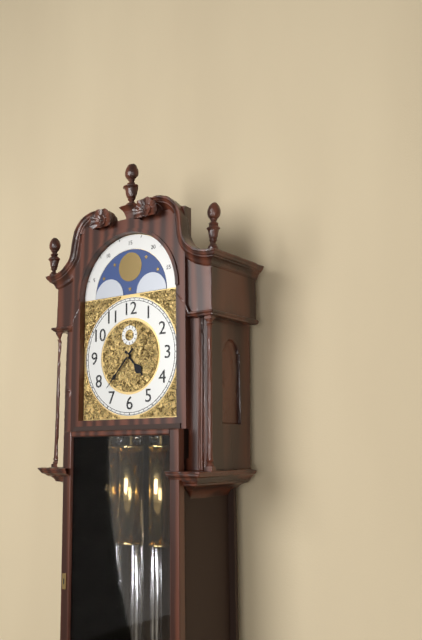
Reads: h=4 m=37
